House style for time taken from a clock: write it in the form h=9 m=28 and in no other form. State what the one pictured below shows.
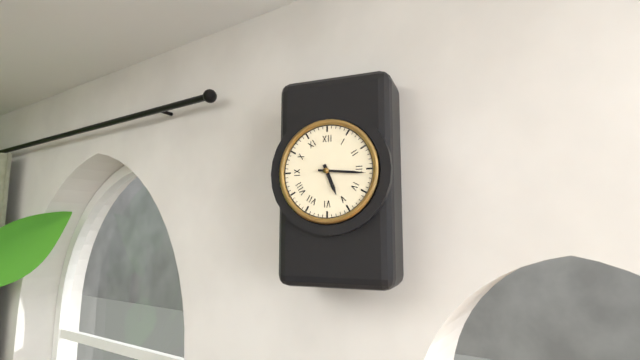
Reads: h=5 m=16
